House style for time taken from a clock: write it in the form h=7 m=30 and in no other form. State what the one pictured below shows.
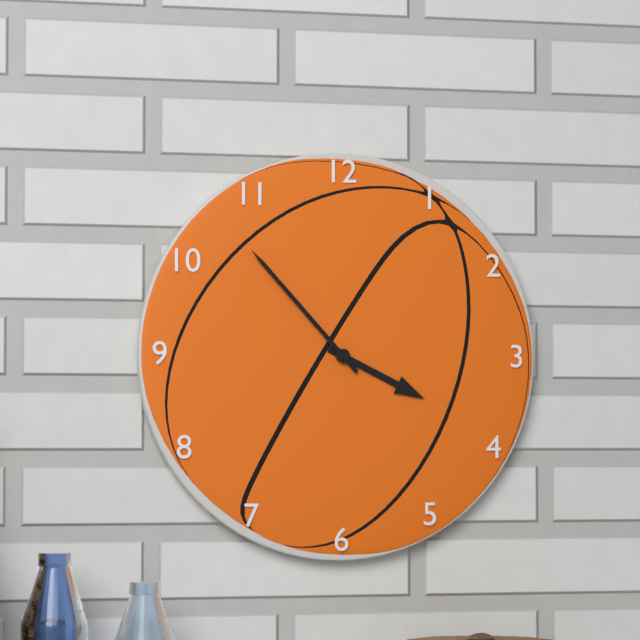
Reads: h=3 m=53
